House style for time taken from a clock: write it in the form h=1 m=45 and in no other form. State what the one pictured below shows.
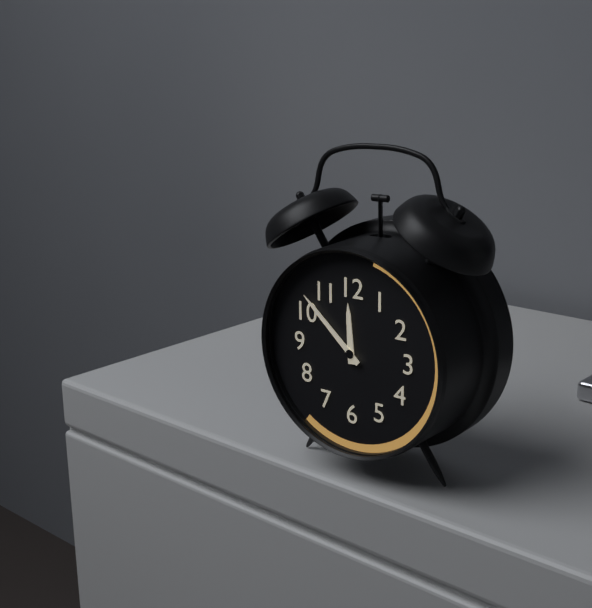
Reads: h=11 m=52
